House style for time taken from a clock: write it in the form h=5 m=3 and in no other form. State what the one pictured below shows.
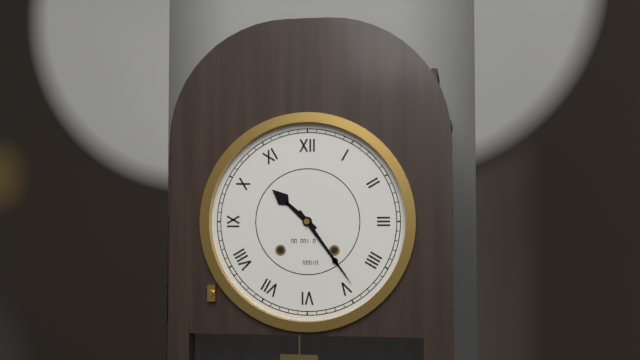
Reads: h=10 m=24
